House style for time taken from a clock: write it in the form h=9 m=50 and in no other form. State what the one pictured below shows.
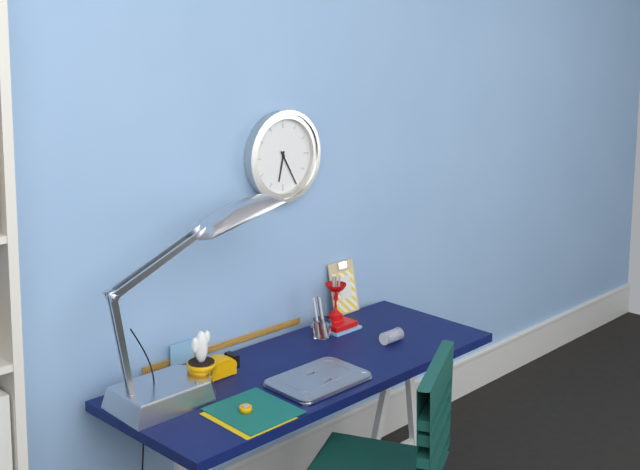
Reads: h=6 m=25
